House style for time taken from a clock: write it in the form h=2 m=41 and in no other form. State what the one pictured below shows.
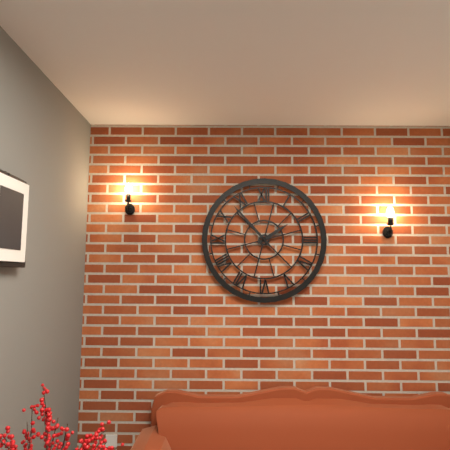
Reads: h=1 m=53
